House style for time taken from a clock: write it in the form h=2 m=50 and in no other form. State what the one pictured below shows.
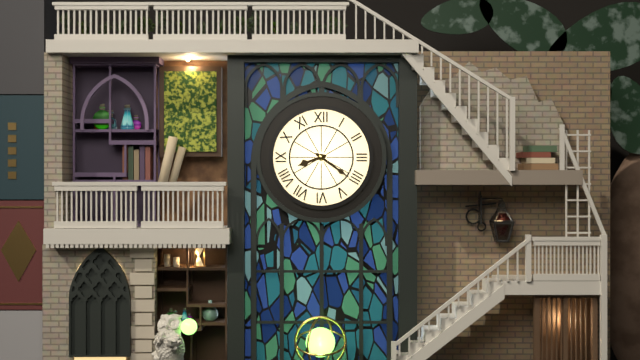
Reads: h=8 m=21
